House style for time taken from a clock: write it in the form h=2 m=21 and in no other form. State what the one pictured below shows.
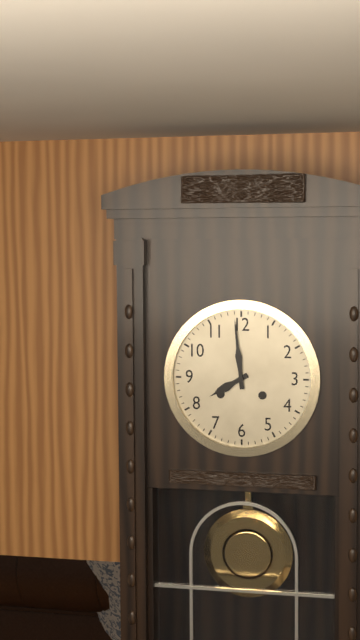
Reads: h=7 m=59
